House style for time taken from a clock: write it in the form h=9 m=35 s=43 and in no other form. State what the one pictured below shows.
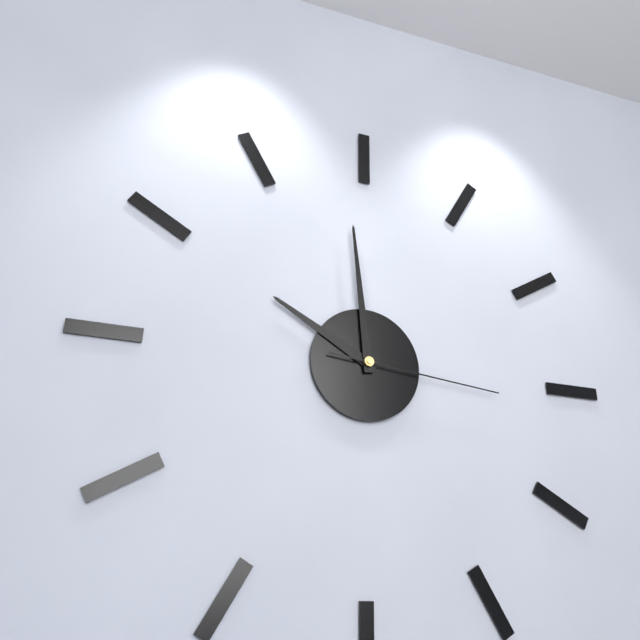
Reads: h=9 m=59 s=16
